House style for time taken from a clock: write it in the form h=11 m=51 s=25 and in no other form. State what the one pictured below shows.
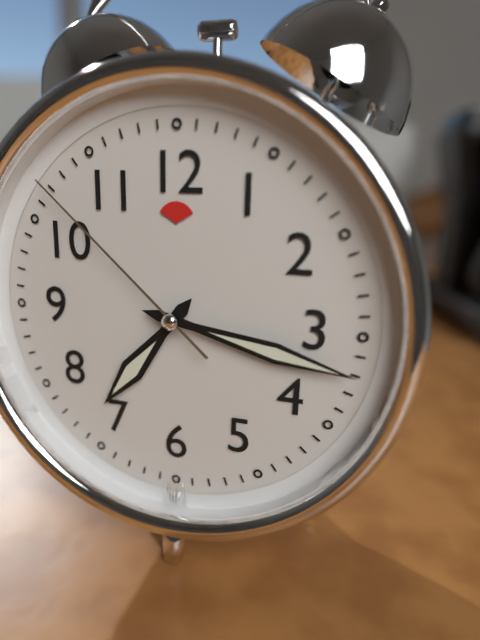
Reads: h=7 m=17 s=52
